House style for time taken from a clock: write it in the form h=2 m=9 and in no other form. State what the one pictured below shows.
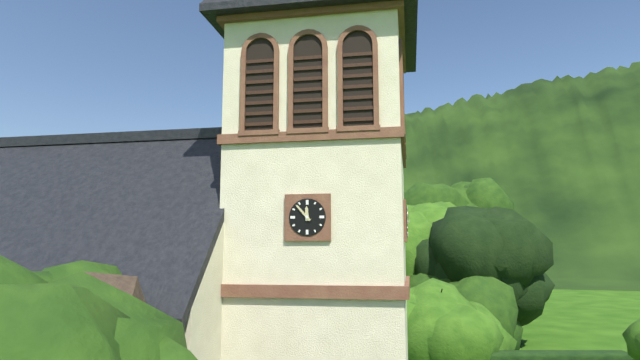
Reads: h=11 m=53
